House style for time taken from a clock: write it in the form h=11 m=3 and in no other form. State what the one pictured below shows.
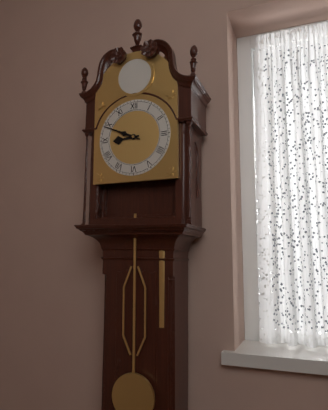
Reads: h=8 m=49
